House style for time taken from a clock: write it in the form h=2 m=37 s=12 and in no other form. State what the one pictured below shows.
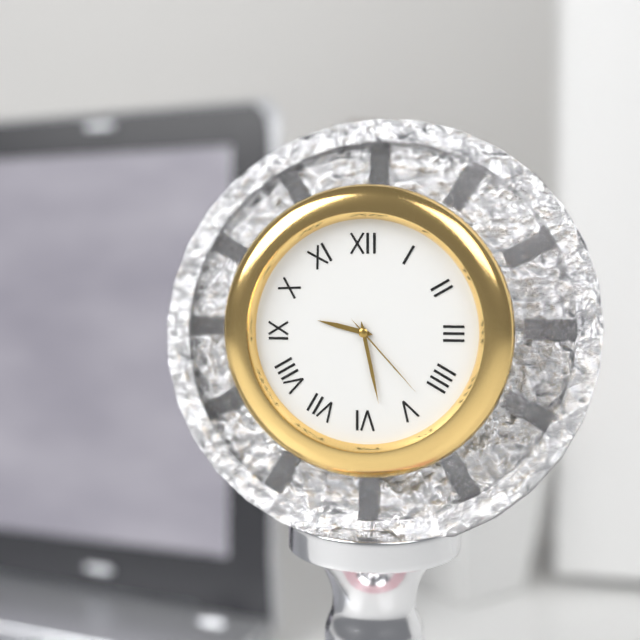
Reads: h=9 m=28 s=23
